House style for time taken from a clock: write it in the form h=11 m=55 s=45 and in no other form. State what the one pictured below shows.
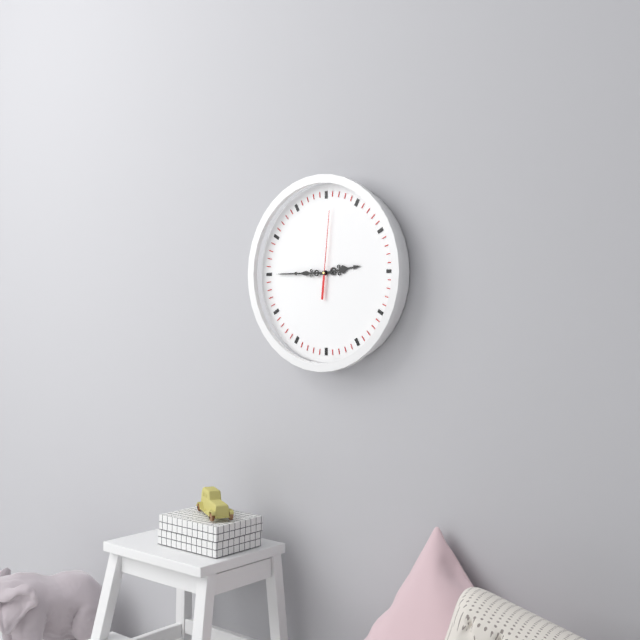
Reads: h=2 m=45 s=1
